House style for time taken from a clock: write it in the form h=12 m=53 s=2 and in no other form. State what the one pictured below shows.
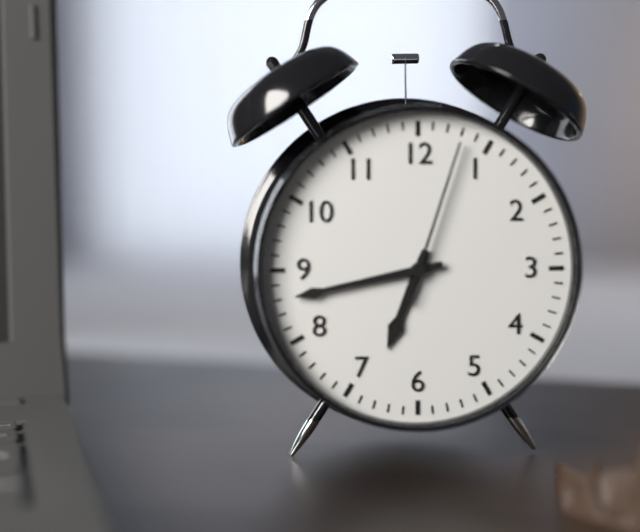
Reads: h=6 m=43 s=3
